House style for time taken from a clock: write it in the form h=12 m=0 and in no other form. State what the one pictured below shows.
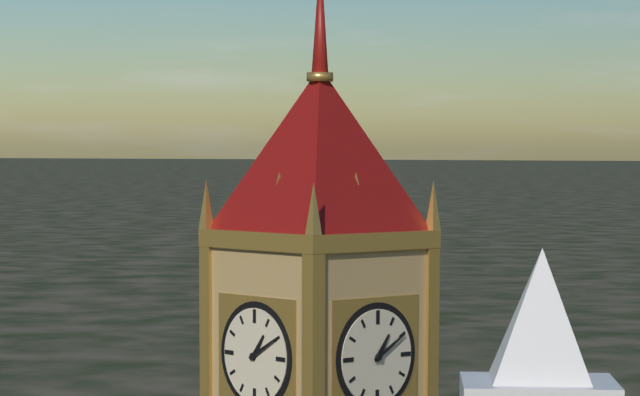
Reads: h=1 m=10
